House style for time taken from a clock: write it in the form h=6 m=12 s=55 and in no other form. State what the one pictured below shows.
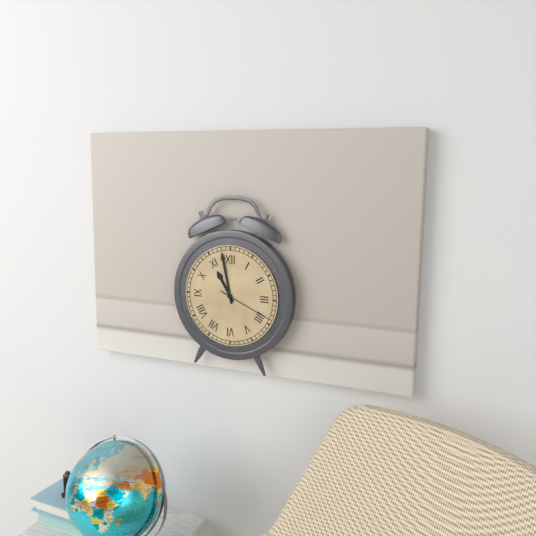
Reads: h=10 m=58 s=19
